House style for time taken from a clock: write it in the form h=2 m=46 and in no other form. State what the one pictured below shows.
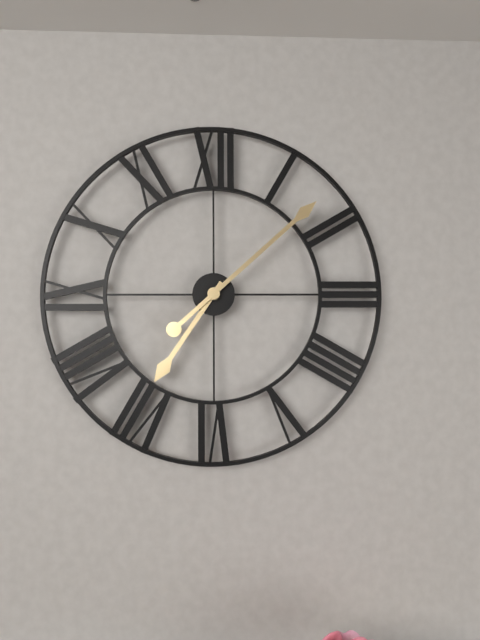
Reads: h=7 m=8
